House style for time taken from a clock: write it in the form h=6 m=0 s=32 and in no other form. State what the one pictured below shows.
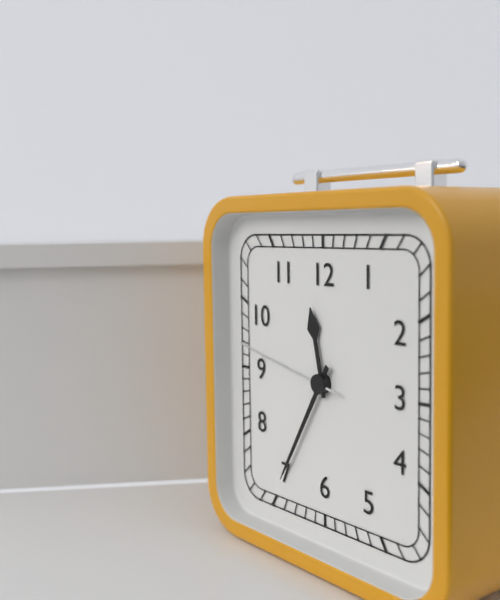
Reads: h=11 m=35 s=47
